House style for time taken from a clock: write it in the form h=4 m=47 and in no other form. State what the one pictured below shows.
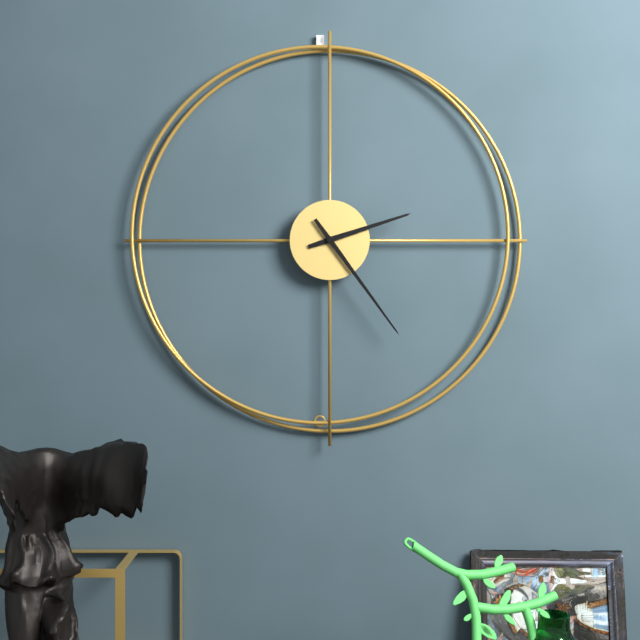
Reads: h=2 m=24
